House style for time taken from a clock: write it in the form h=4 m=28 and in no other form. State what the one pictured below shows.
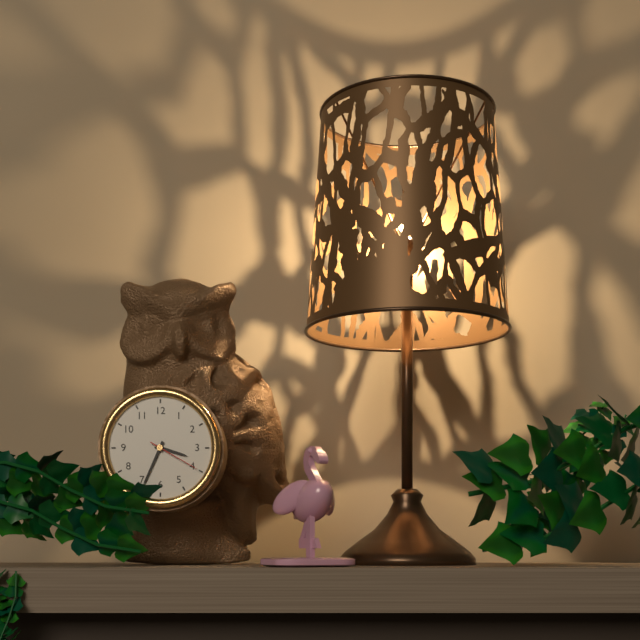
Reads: h=3 m=34
